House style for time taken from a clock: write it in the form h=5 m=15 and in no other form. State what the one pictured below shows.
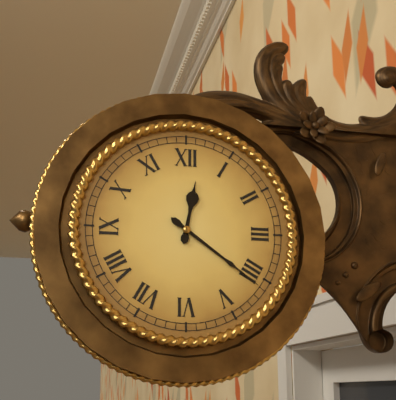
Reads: h=12 m=21
